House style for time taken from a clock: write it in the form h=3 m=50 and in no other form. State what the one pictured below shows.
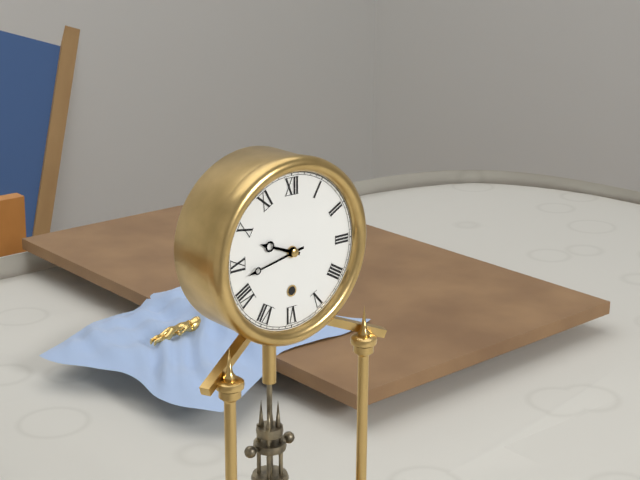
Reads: h=9 m=43
